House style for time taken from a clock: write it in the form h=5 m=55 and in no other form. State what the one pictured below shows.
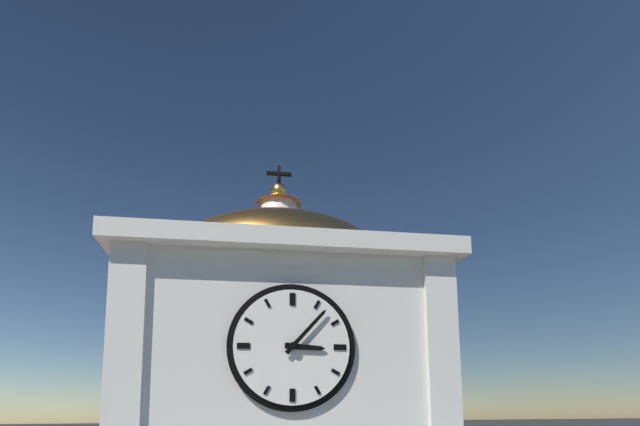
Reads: h=3 m=7
